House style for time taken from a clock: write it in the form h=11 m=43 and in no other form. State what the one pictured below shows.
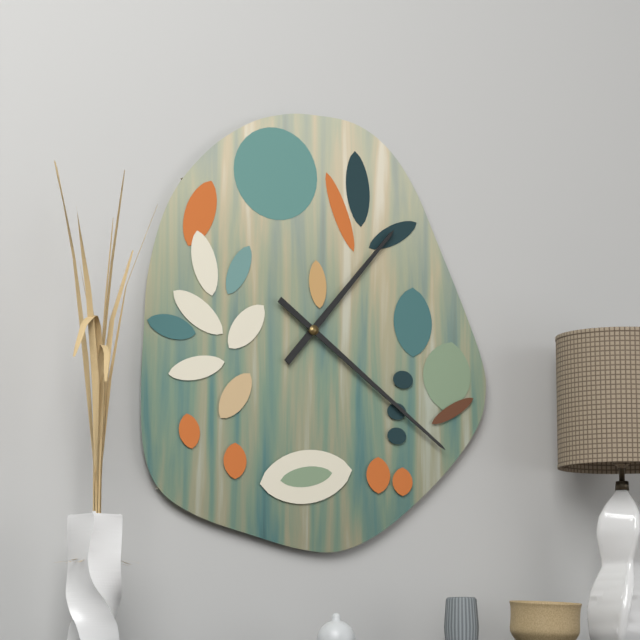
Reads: h=1 m=21
